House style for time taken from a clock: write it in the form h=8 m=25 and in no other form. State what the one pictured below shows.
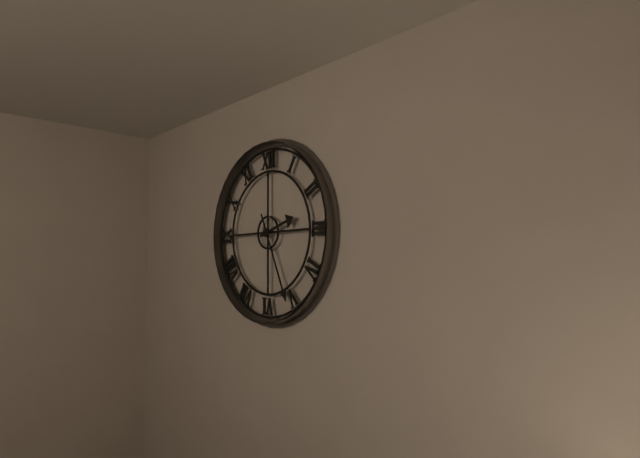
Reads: h=2 m=26
